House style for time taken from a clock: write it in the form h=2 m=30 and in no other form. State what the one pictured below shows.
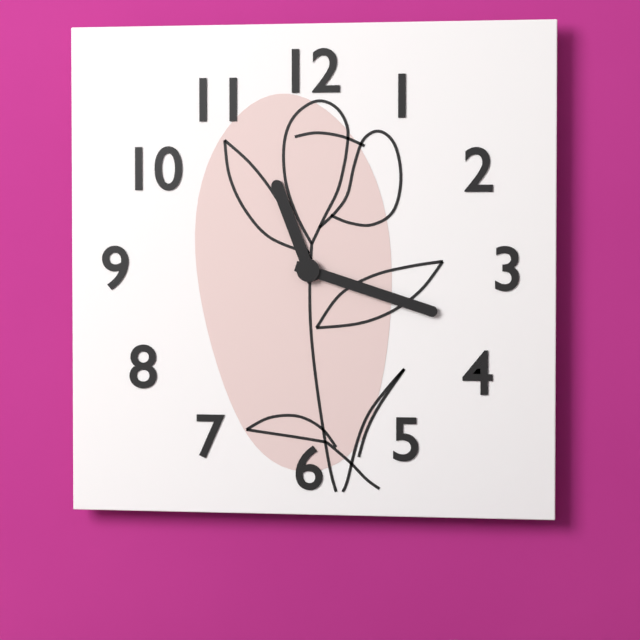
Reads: h=11 m=18
